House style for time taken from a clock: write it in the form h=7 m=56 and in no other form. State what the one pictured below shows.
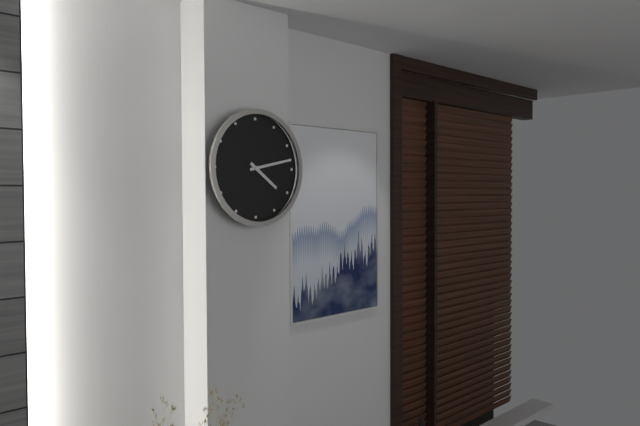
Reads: h=4 m=13
